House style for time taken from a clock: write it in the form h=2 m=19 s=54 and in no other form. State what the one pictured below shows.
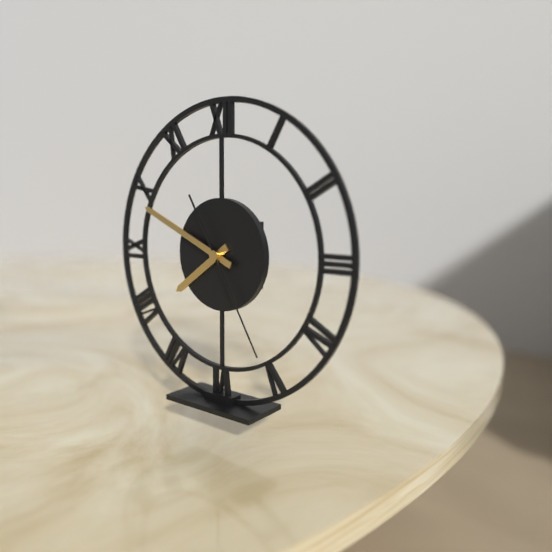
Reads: h=7 m=49 s=25
